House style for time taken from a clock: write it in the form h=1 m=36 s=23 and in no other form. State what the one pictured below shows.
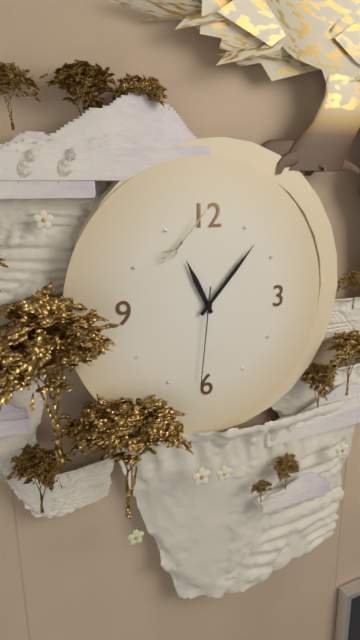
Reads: h=11 m=7 s=31
